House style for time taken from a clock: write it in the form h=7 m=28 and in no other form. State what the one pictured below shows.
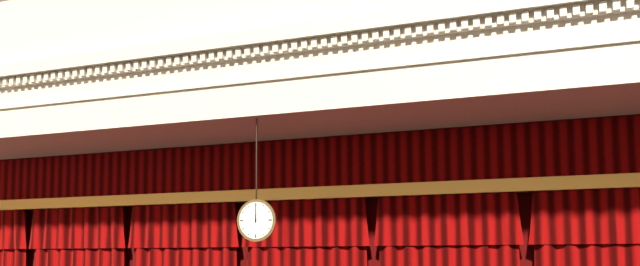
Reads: h=12 m=0
